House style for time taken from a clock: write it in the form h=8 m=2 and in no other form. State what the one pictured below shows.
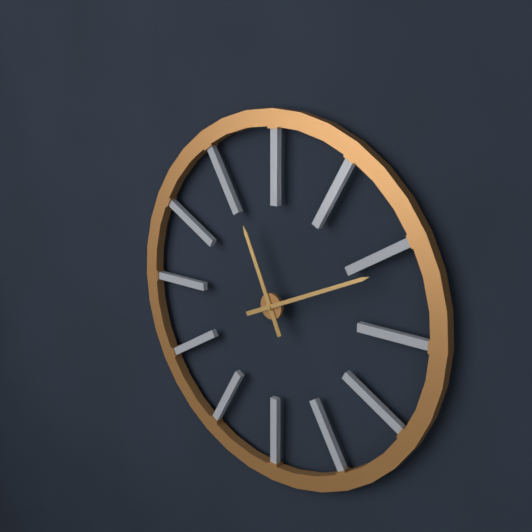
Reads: h=11 m=11
